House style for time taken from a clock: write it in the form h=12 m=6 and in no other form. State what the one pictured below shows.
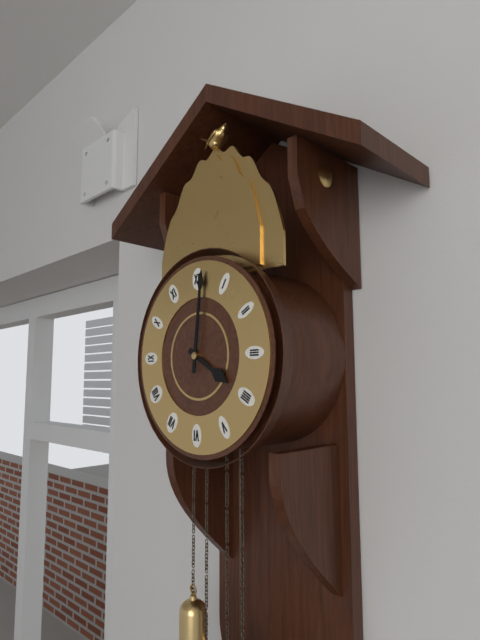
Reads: h=4 m=1
